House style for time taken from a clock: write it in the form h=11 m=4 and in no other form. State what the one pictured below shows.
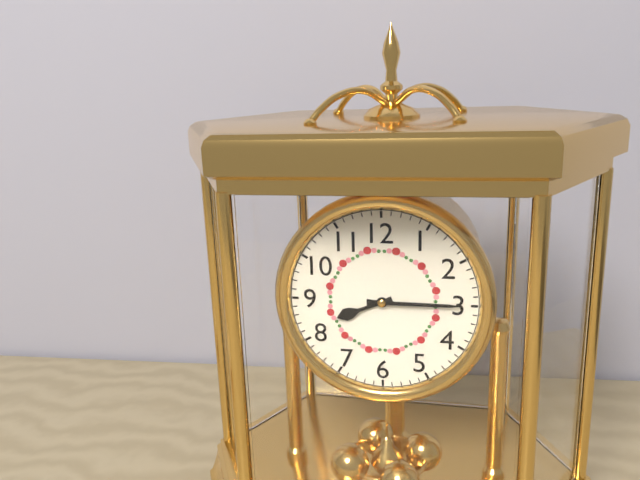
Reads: h=8 m=15
